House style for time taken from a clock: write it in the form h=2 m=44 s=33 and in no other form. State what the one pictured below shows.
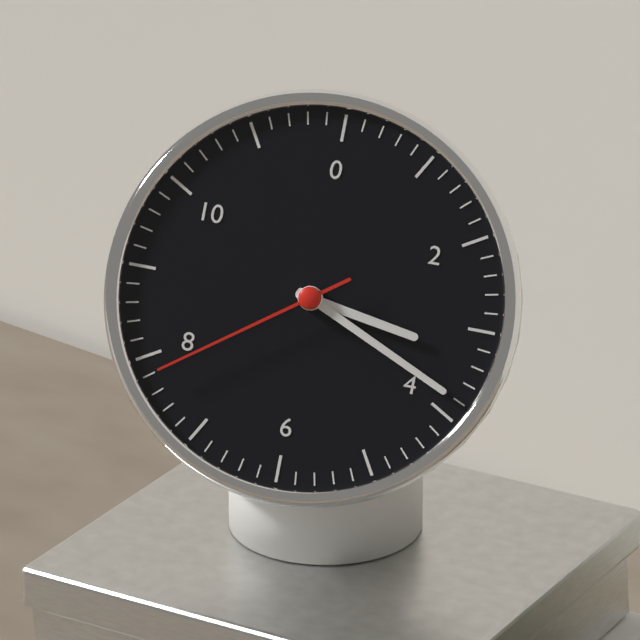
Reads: h=3 m=19 s=39
